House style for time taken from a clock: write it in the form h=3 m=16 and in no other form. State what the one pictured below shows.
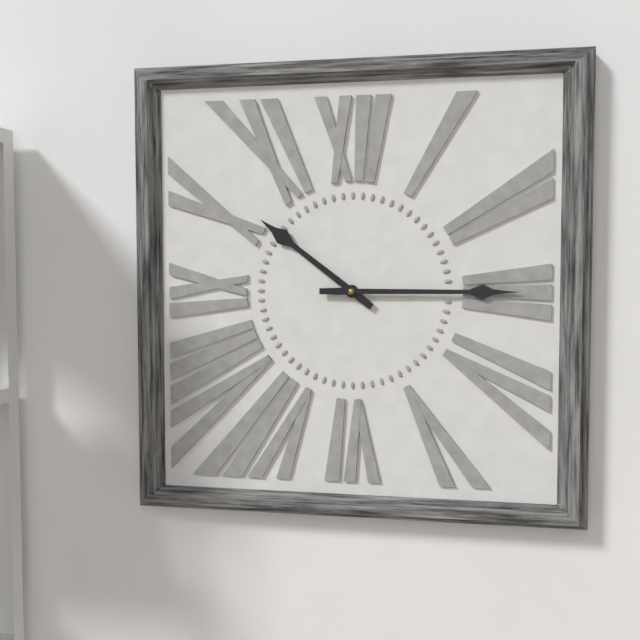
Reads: h=10 m=15
